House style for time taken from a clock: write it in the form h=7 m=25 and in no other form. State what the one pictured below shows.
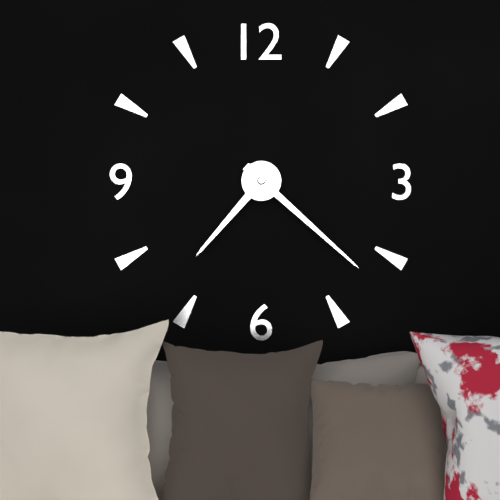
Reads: h=7 m=22
